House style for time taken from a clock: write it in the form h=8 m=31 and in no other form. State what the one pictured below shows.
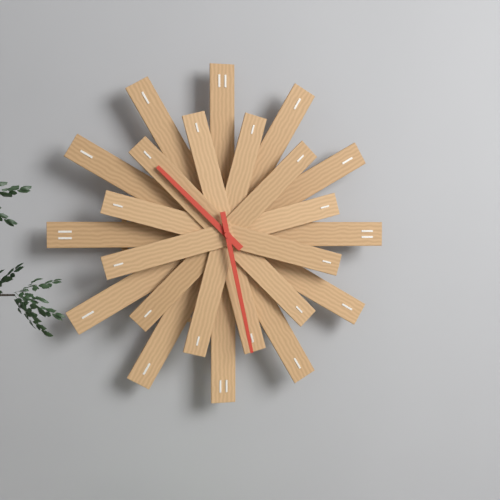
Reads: h=10 m=28
